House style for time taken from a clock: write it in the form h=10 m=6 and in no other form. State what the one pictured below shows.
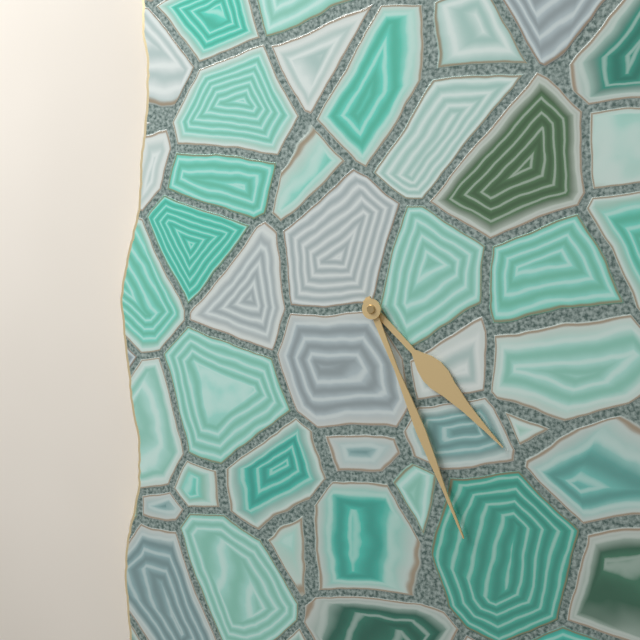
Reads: h=4 m=26
